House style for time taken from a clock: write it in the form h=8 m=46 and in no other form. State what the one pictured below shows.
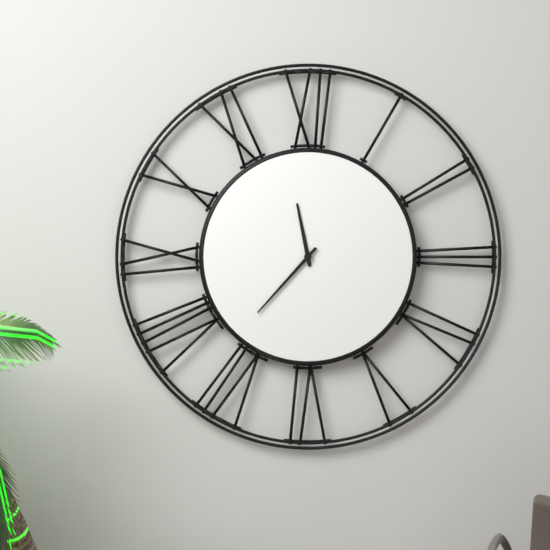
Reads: h=11 m=37
